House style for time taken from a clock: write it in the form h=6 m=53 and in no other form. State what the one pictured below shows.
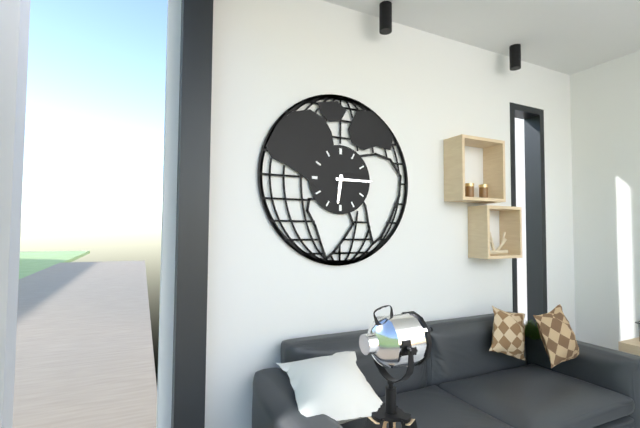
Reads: h=6 m=15
